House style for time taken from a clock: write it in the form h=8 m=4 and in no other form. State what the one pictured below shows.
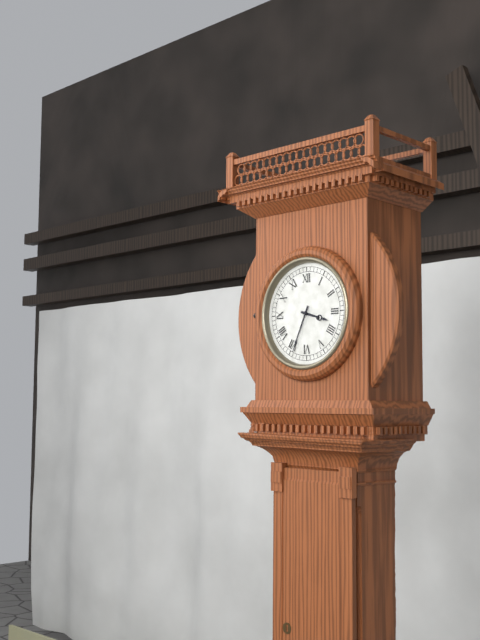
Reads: h=3 m=34
